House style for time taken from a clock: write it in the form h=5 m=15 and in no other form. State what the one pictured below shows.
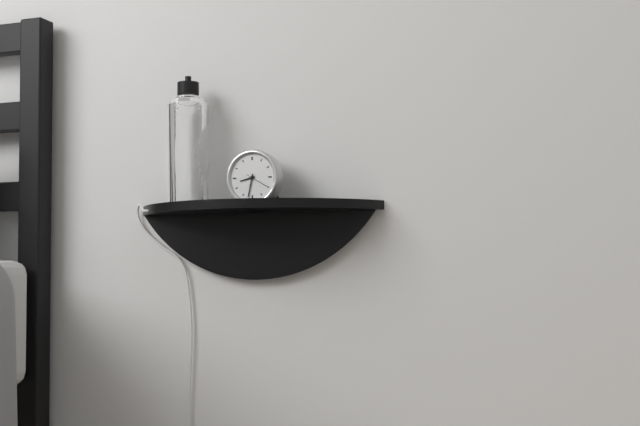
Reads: h=8 m=32
